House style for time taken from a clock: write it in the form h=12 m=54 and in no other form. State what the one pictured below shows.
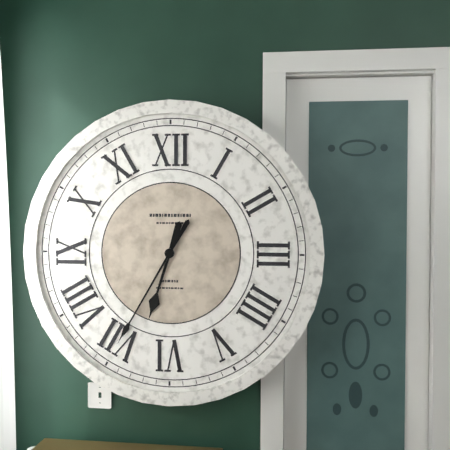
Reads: h=6 m=35
